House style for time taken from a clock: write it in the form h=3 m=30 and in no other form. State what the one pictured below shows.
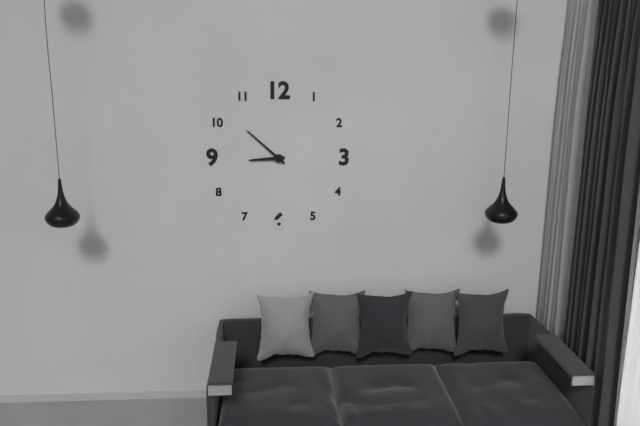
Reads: h=8 m=52
